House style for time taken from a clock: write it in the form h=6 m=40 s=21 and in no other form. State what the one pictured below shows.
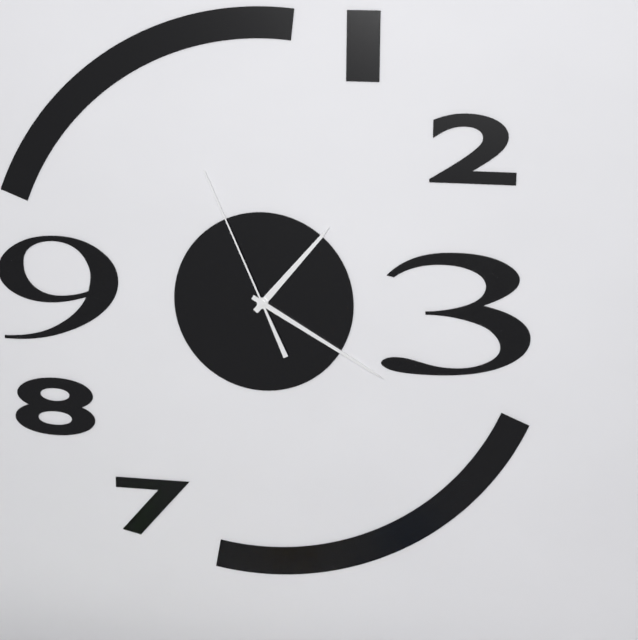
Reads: h=1 m=20 s=56
